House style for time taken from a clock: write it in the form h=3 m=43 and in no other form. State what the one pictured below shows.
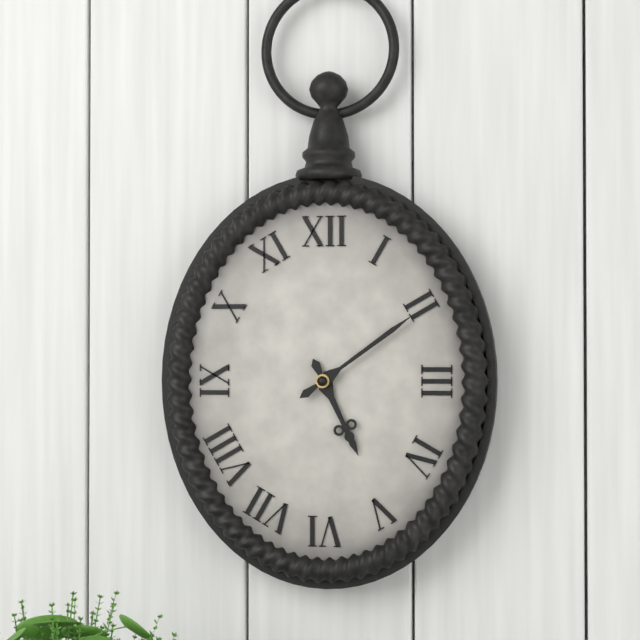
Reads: h=5 m=9
